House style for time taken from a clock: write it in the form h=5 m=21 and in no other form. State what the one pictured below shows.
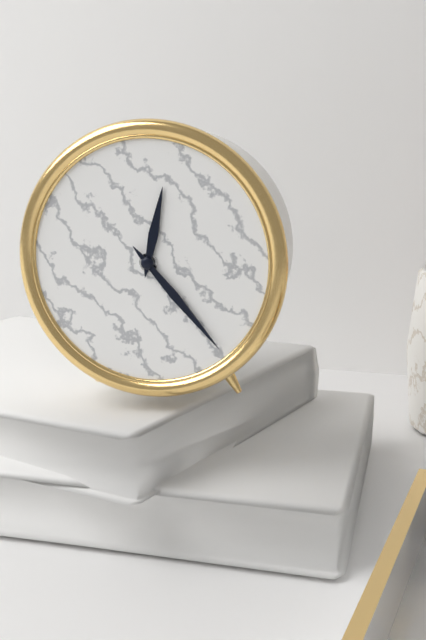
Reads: h=12 m=23
